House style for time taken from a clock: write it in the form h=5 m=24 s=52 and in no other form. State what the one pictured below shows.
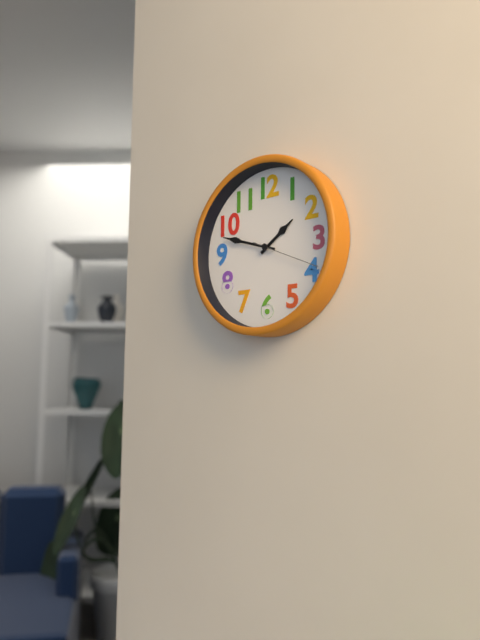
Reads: h=1 m=48 s=19
